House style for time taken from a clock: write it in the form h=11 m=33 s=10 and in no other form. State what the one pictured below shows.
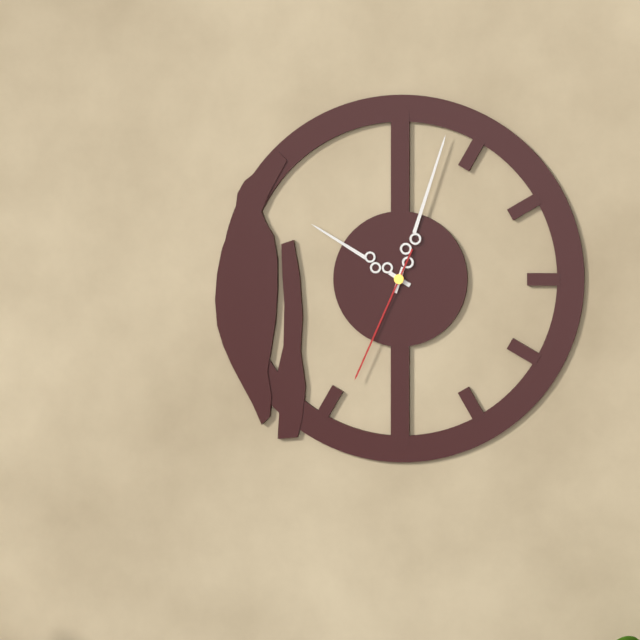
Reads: h=10 m=3 s=34
